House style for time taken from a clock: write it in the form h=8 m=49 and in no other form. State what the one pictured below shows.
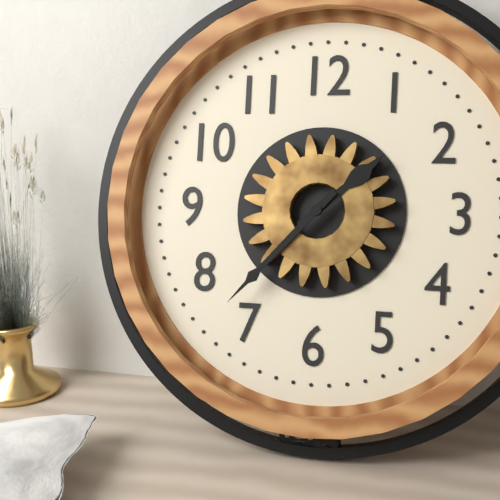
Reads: h=1 m=37
